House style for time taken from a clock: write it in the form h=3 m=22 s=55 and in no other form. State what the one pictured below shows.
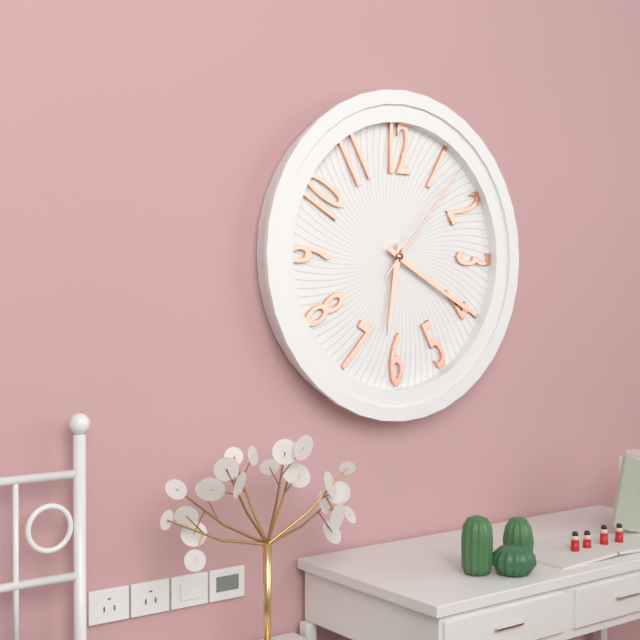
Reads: h=6 m=20 s=7
